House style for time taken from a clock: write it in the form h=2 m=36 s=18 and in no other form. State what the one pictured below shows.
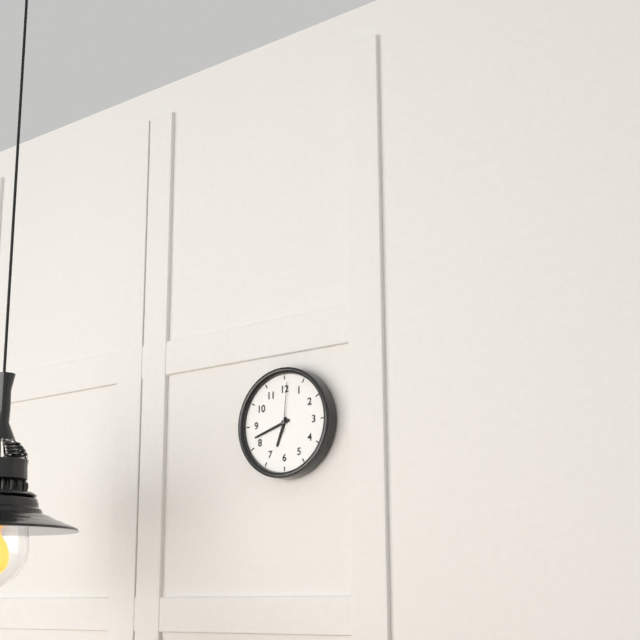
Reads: h=6 m=42 s=1
